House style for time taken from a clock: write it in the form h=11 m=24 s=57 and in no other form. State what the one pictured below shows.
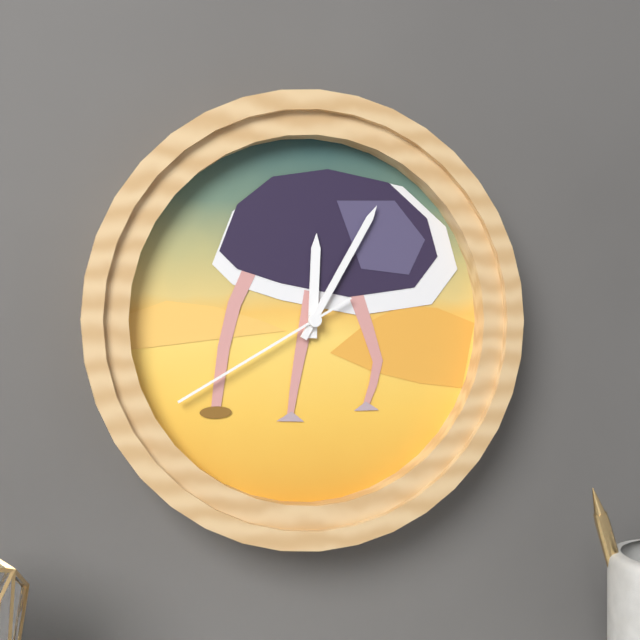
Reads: h=12 m=5 s=40
